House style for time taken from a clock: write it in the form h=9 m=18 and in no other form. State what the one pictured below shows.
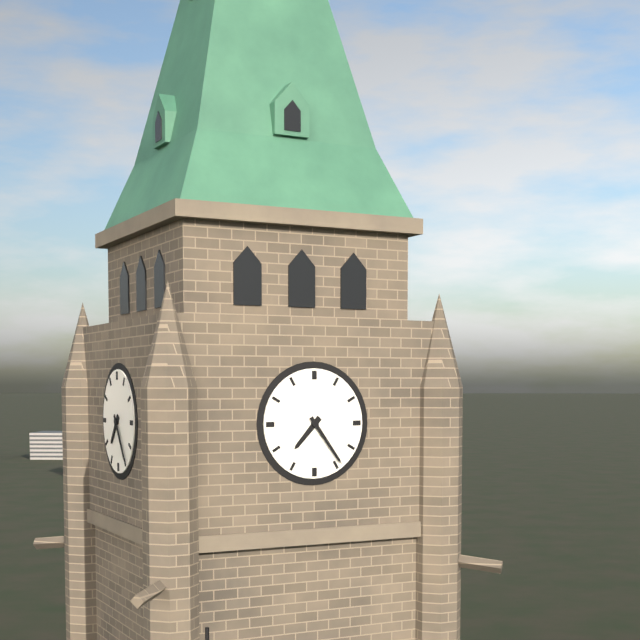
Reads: h=7 m=24
